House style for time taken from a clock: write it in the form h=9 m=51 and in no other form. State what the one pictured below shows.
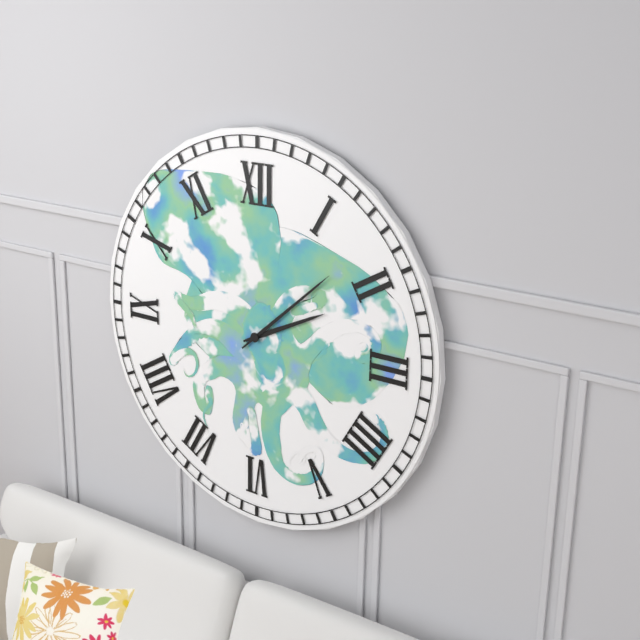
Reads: h=2 m=8
